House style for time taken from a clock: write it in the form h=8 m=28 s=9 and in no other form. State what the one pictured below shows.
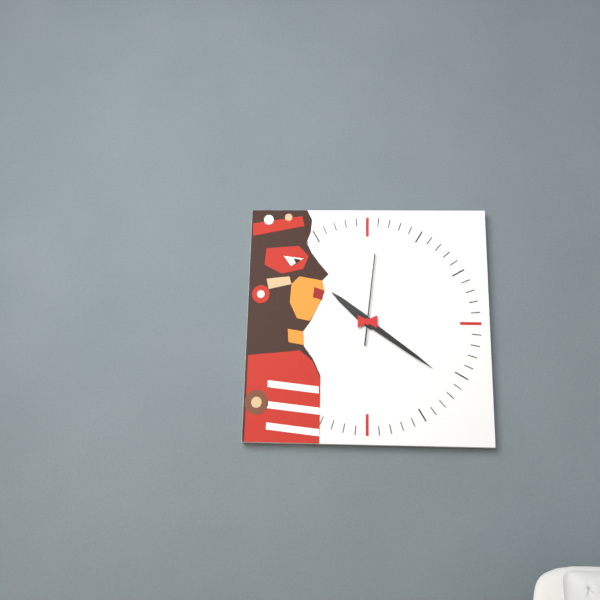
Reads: h=10 m=21 s=1
